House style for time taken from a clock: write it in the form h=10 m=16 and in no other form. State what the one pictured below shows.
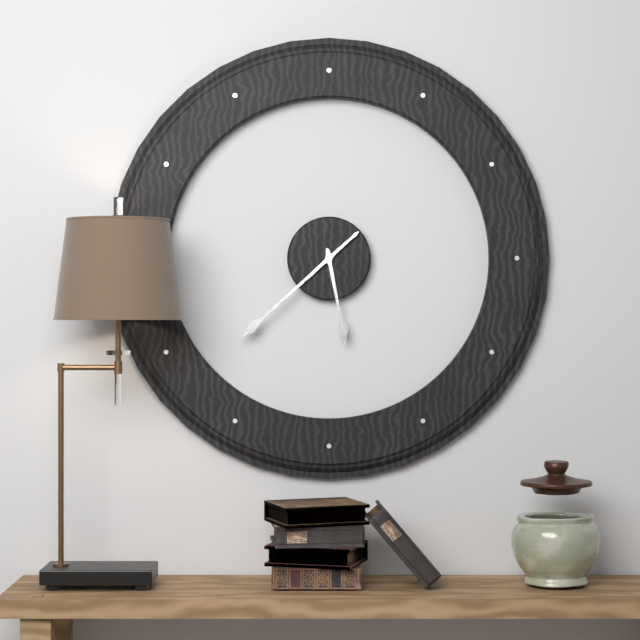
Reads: h=5 m=38
